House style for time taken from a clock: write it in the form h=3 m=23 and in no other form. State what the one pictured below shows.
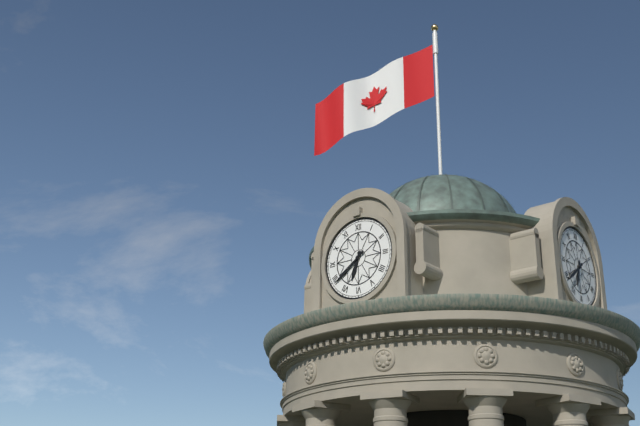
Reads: h=6 m=39
